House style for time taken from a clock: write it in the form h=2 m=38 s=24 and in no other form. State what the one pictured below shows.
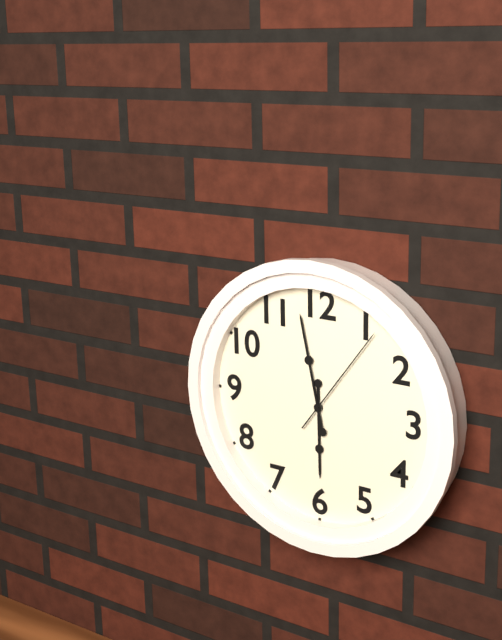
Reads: h=5 m=58 s=6
